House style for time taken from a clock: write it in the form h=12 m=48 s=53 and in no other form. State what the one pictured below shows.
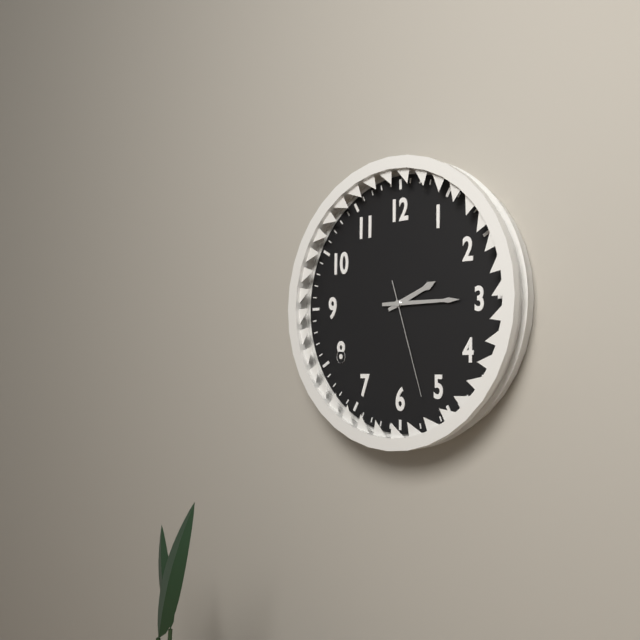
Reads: h=2 m=15 s=27
